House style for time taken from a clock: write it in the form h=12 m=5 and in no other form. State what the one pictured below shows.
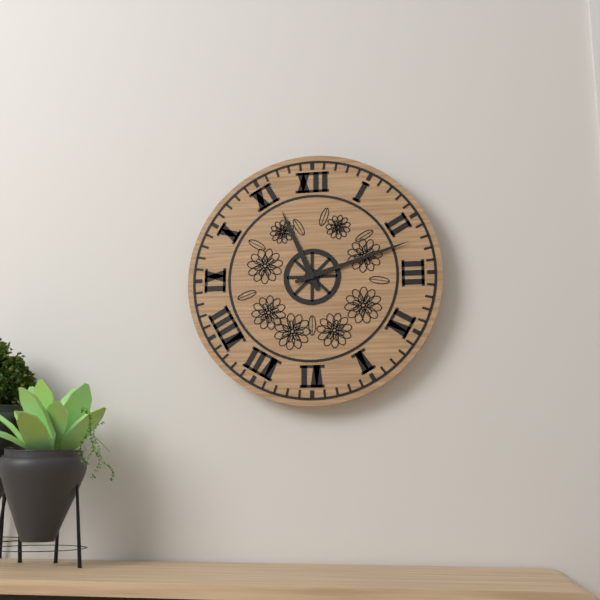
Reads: h=11 m=12
